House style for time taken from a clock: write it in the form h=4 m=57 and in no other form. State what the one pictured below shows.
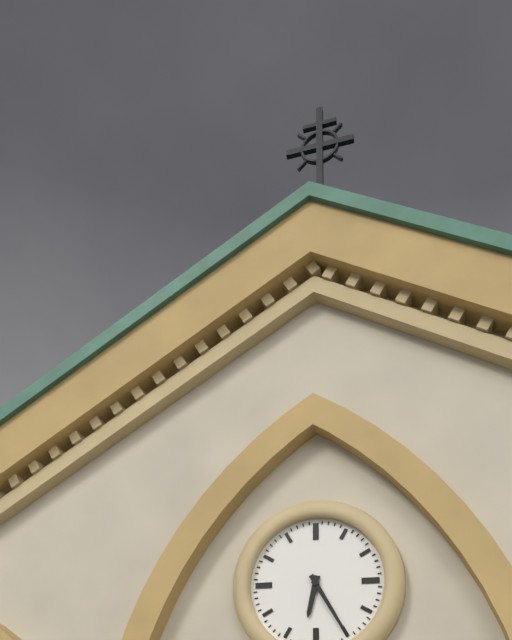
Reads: h=6 m=25
